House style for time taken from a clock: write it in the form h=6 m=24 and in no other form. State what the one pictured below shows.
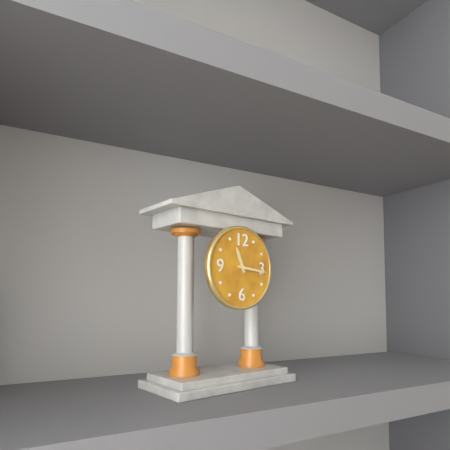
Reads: h=11 m=16
